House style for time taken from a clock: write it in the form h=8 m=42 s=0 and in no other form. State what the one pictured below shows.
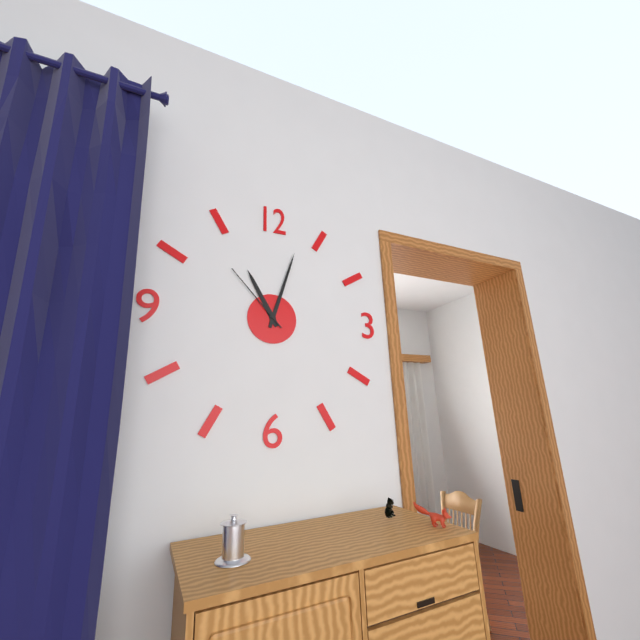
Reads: h=11 m=3 s=53
